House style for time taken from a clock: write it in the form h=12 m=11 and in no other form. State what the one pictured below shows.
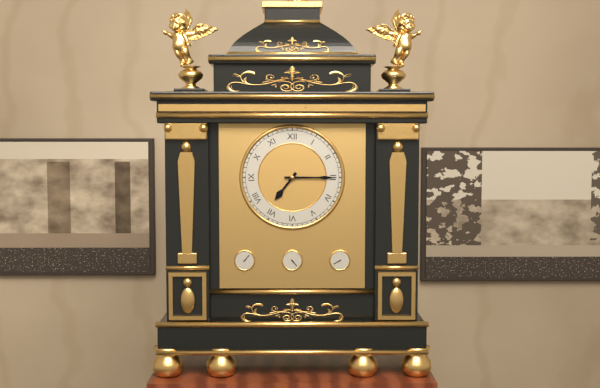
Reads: h=7 m=15
